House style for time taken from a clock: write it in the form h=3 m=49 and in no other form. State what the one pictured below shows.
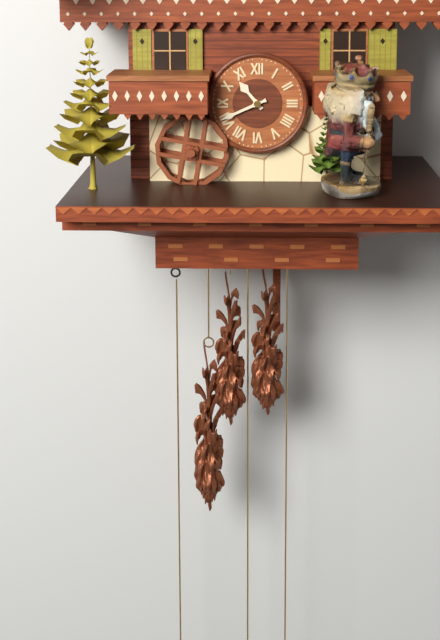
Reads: h=10 m=41
